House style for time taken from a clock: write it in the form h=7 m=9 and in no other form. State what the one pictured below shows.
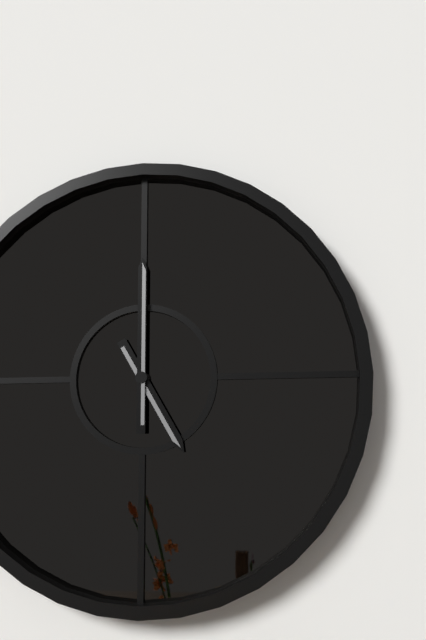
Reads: h=5 m=0
